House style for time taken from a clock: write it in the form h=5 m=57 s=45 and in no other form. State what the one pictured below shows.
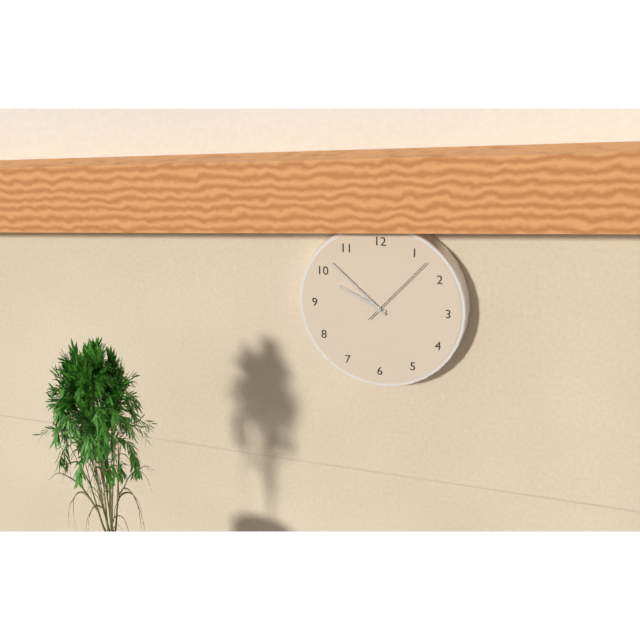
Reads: h=9 m=52 s=7
